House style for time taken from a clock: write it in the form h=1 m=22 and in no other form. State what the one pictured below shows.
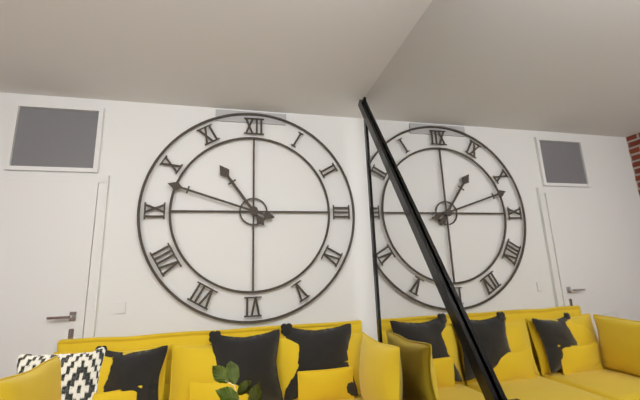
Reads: h=10 m=48
